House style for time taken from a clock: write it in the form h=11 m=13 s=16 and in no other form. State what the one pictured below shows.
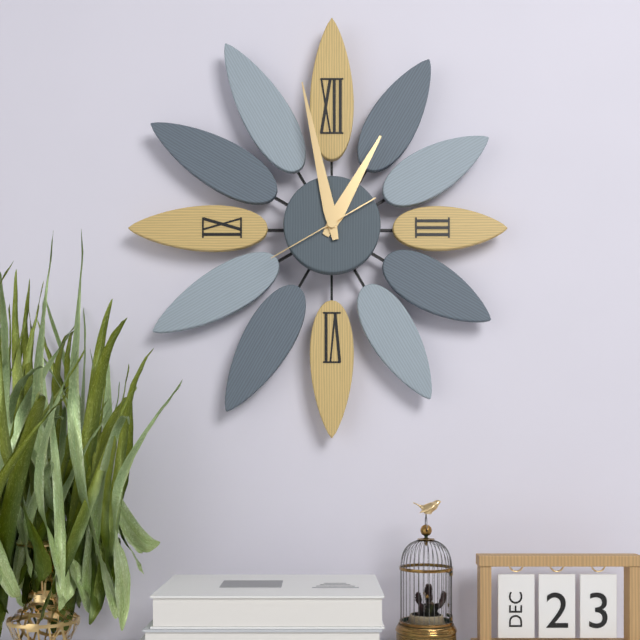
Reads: h=12 m=58 s=40
